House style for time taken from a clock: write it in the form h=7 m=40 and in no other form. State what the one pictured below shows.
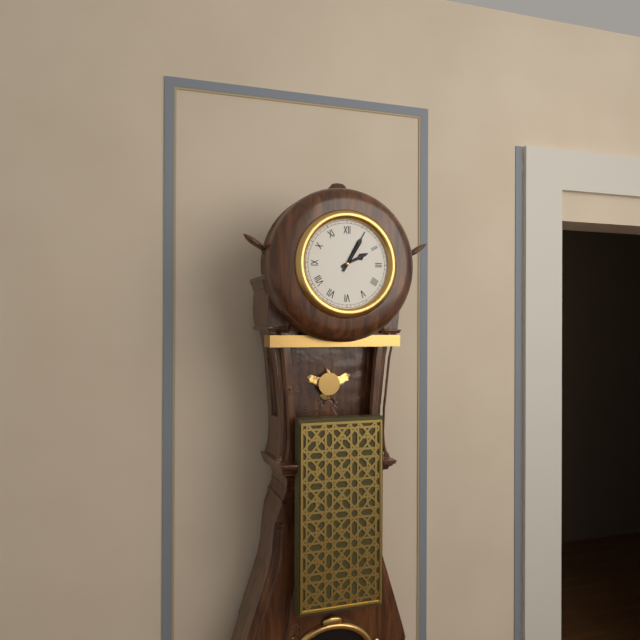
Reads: h=2 m=5
